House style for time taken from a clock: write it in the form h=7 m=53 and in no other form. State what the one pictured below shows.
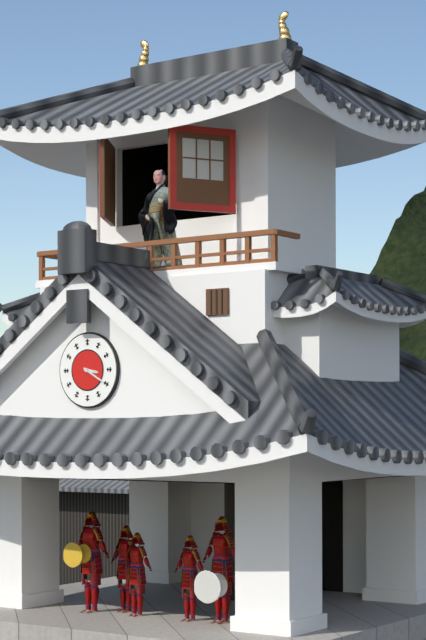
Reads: h=3 m=20
